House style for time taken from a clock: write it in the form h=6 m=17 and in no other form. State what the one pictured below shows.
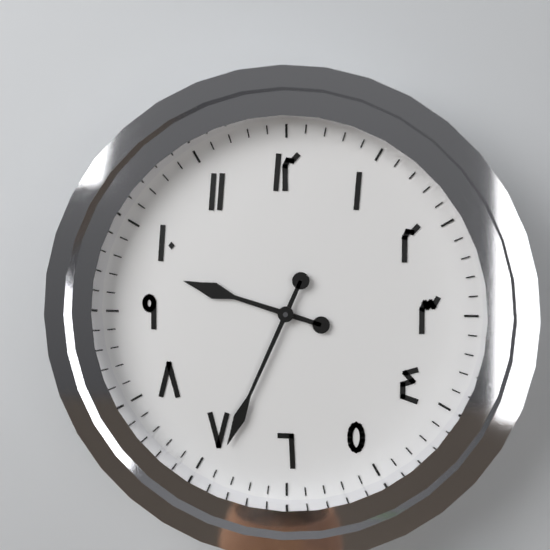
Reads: h=9 m=34
